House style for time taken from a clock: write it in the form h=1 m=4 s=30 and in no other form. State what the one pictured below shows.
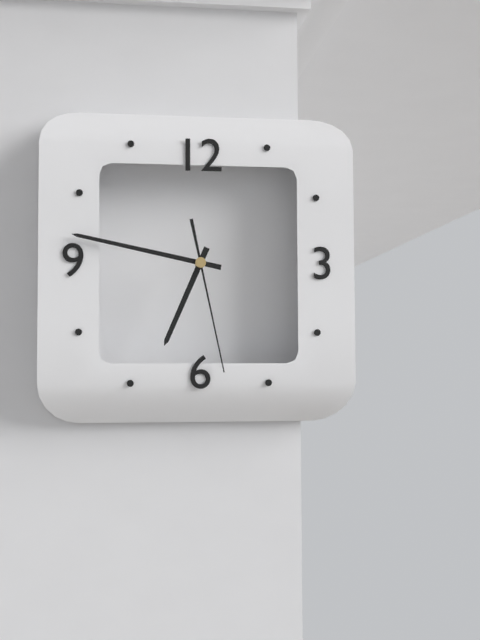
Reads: h=6 m=47 s=28
